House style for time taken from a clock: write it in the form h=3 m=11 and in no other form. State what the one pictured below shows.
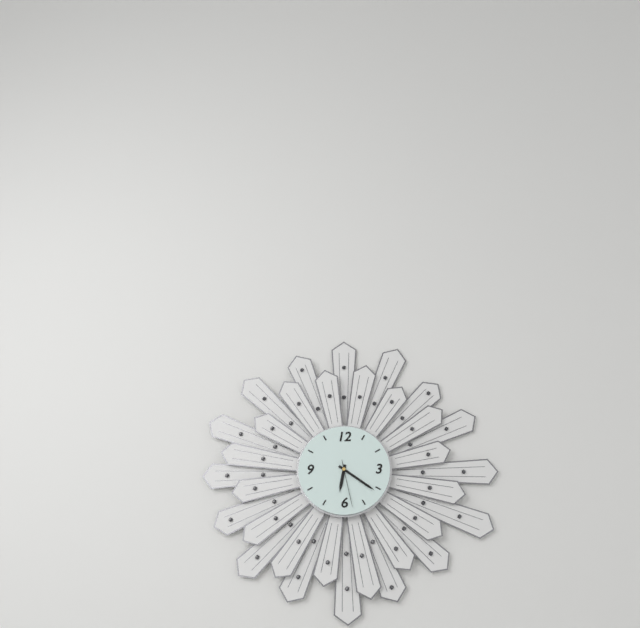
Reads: h=6 m=21
